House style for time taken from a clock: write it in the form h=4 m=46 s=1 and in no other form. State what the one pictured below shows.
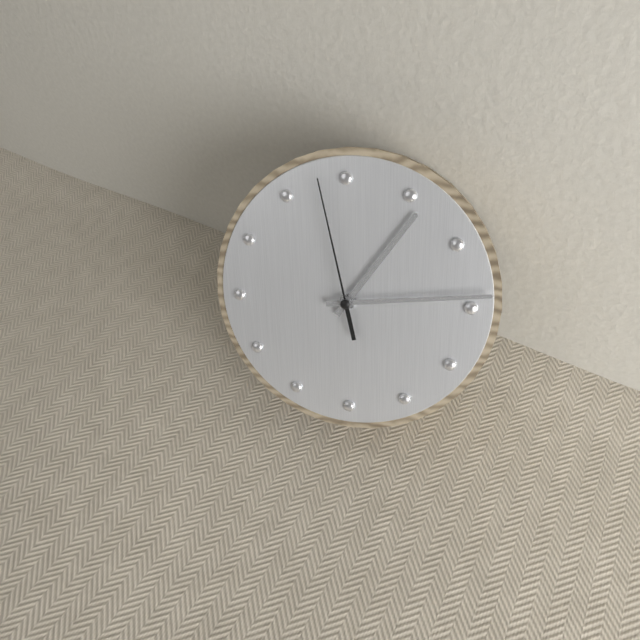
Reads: h=1 m=14 s=58
